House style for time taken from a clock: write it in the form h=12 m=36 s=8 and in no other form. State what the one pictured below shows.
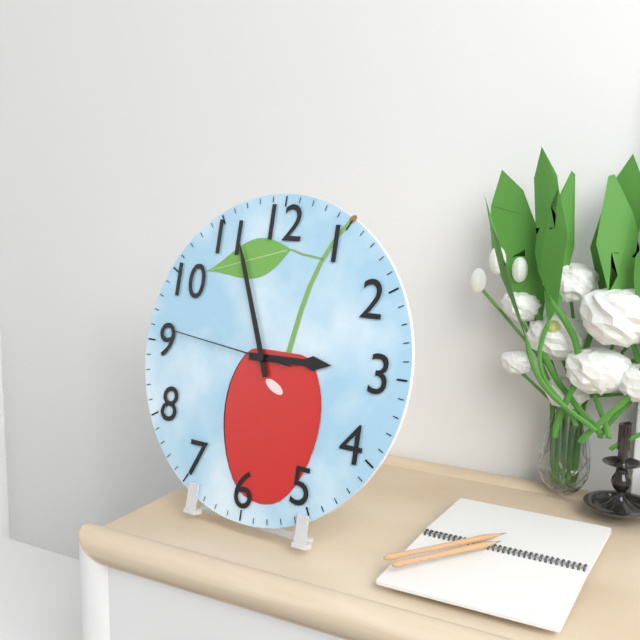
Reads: h=2 m=56 s=46
